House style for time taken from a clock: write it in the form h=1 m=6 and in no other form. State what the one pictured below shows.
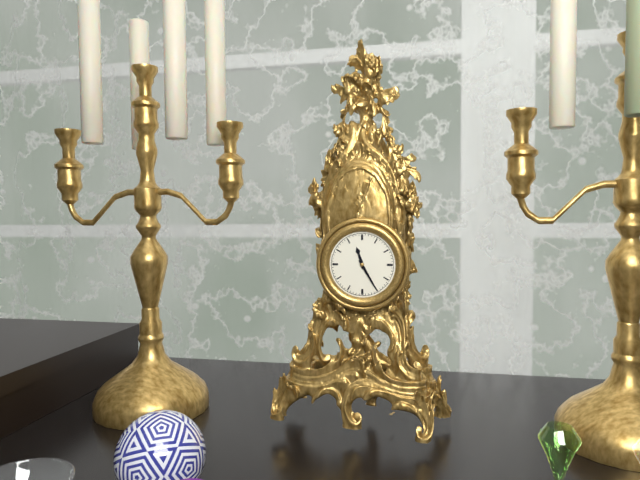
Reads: h=11 m=25
